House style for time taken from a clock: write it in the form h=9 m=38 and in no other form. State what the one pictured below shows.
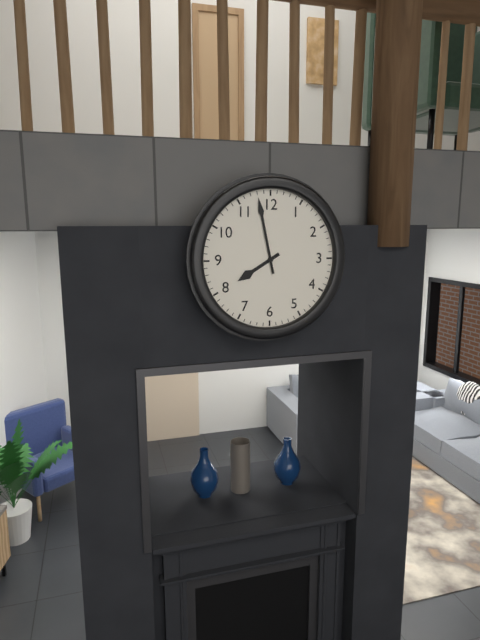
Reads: h=7 m=58
